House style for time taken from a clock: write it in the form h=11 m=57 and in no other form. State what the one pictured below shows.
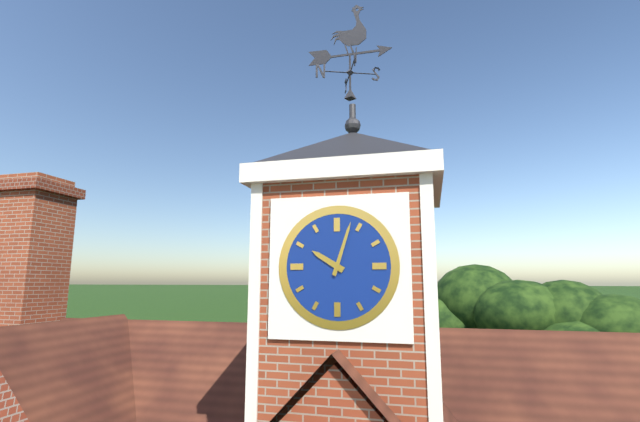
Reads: h=10 m=3
